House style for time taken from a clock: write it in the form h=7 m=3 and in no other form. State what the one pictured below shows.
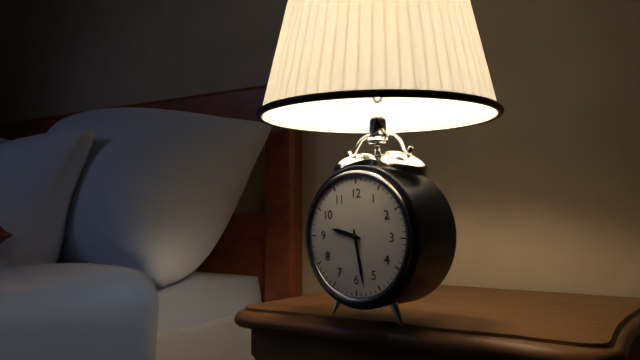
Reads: h=9 m=28
